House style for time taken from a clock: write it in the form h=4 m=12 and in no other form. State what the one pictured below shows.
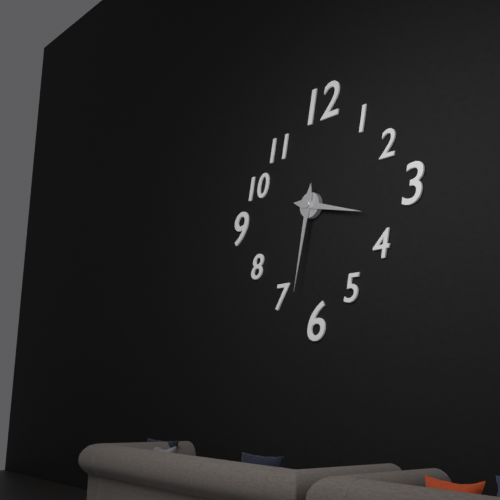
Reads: h=3 m=32
